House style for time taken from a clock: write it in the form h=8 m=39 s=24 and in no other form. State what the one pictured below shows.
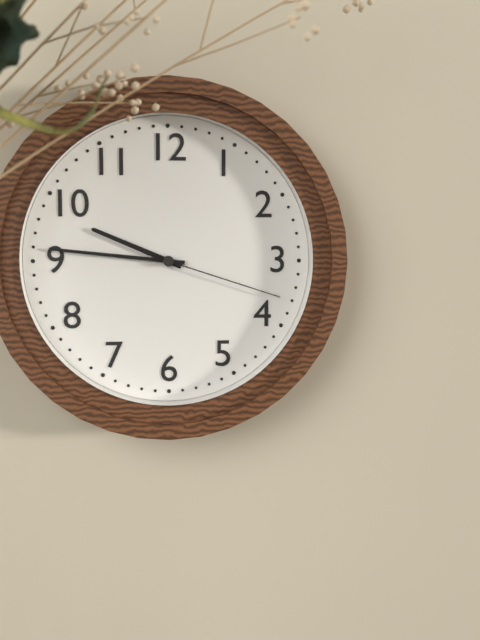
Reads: h=9 m=46 s=18
